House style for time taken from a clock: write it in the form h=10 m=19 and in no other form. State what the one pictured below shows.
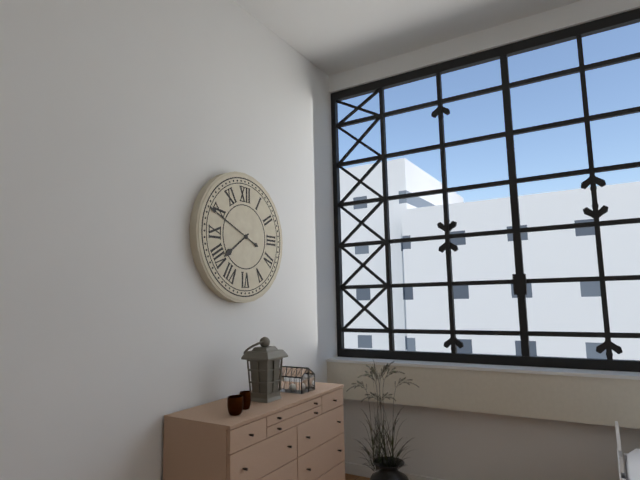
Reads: h=7 m=49
